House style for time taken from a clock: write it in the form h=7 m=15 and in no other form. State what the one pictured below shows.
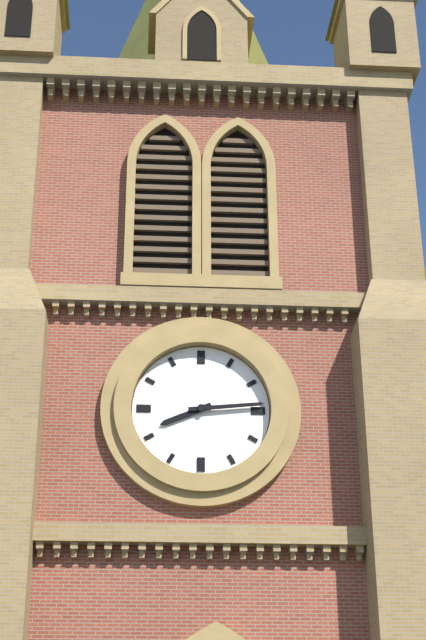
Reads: h=8 m=14
